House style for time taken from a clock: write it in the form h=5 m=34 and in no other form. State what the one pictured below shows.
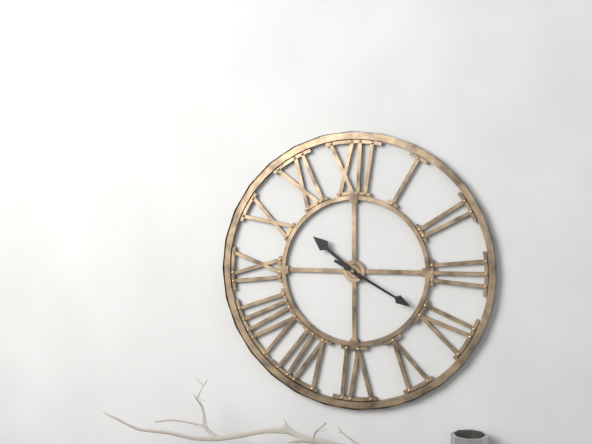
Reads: h=10 m=20
